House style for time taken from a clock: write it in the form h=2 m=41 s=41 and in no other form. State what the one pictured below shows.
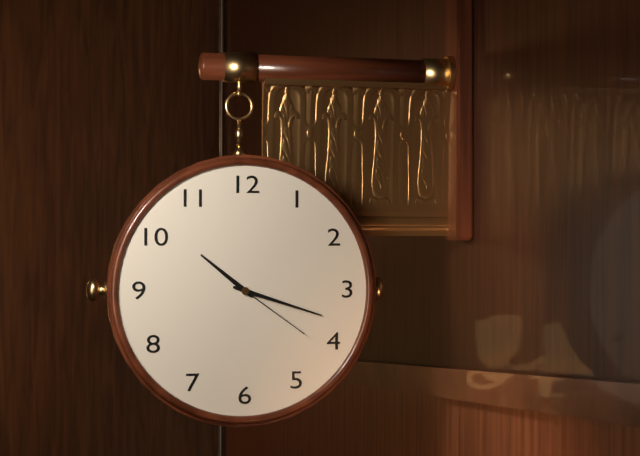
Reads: h=10 m=18 s=21
